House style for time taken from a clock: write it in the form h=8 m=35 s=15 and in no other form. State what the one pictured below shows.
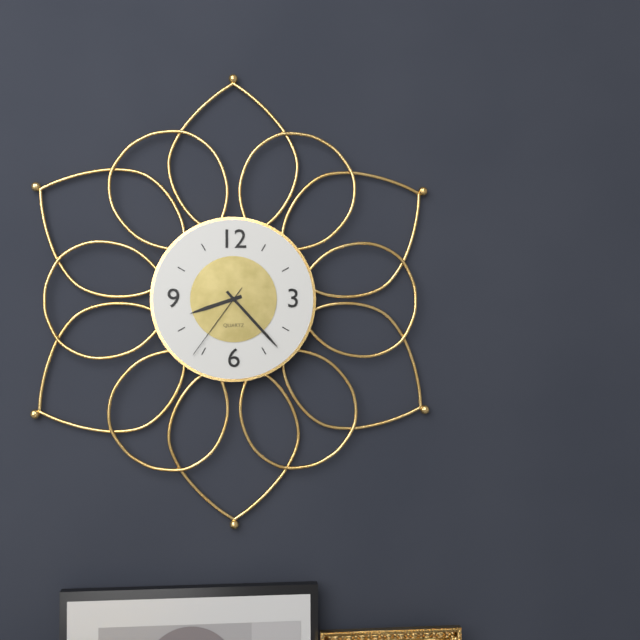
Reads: h=8 m=23 s=36
